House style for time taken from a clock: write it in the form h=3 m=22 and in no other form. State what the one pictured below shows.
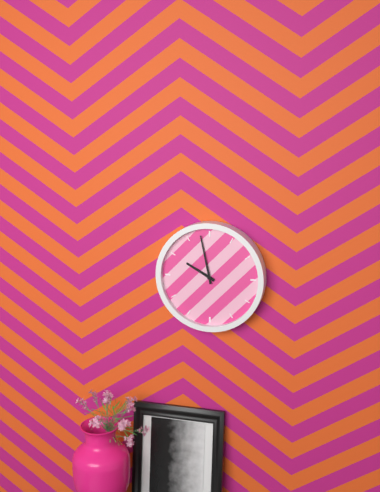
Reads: h=9 m=58
